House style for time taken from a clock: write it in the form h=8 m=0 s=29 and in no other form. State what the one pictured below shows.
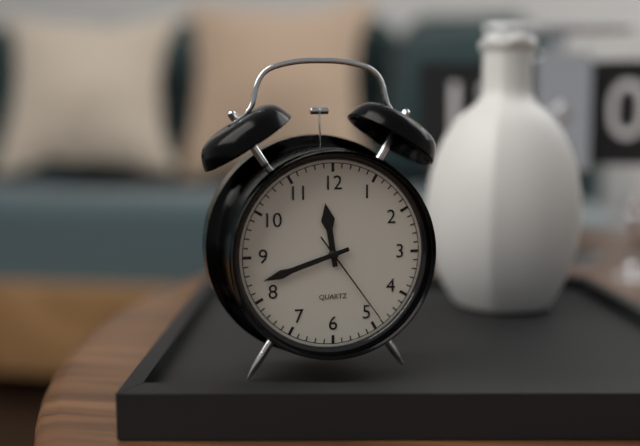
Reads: h=11 m=42 s=24
